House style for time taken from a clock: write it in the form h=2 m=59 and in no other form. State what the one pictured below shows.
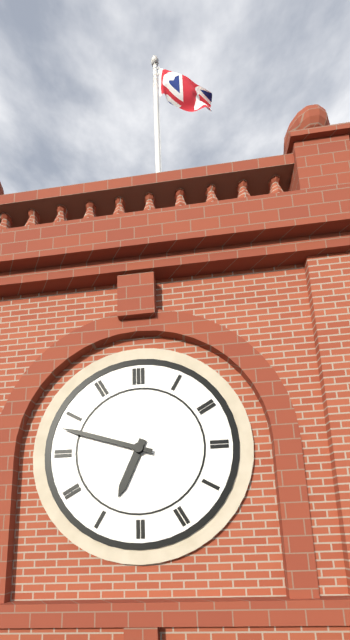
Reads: h=6 m=48
